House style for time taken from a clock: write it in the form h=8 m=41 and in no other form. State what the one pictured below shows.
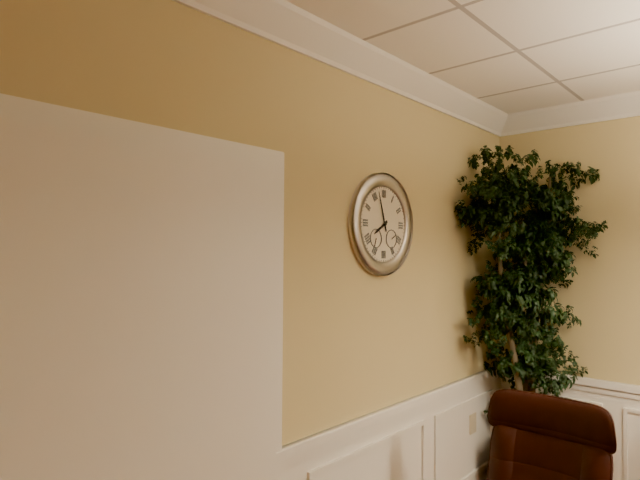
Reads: h=7 m=57
